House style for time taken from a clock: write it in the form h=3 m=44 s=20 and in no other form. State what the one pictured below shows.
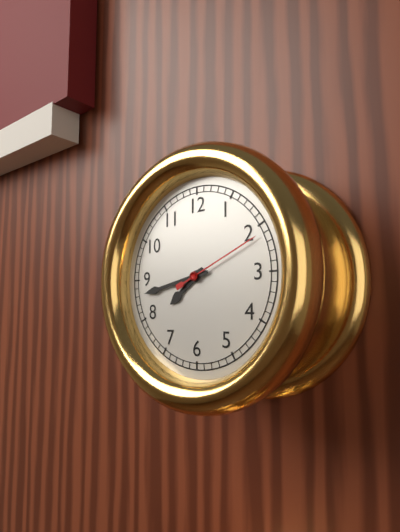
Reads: h=7 m=43 s=11
